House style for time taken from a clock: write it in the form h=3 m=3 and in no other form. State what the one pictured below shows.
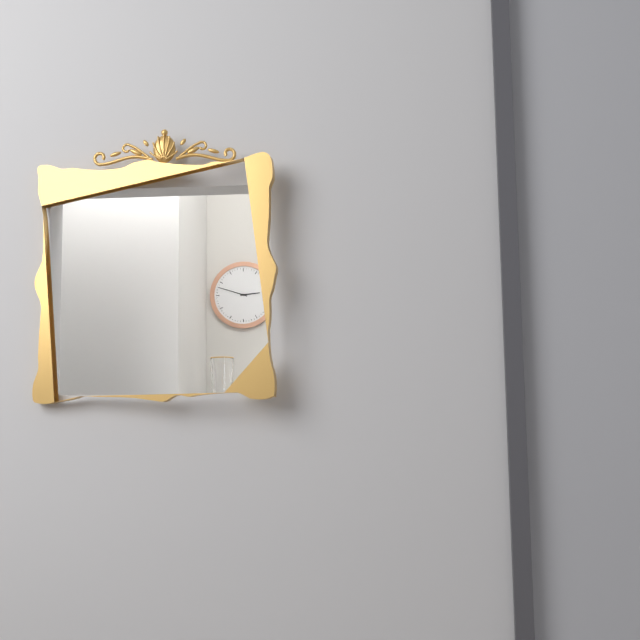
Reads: h=2 m=48
